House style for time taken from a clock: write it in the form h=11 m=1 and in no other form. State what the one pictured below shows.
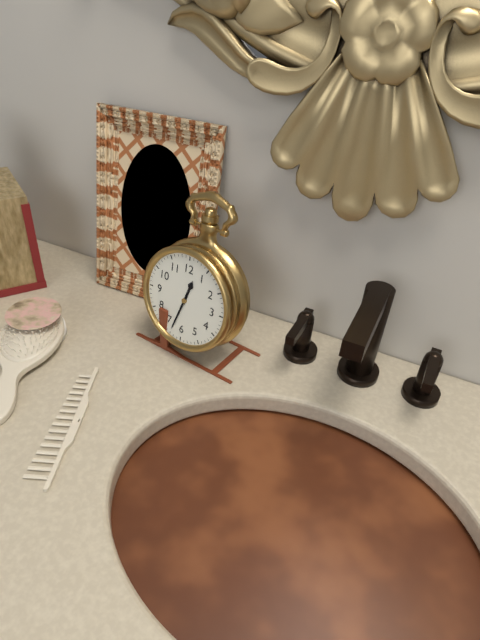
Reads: h=12 m=33
